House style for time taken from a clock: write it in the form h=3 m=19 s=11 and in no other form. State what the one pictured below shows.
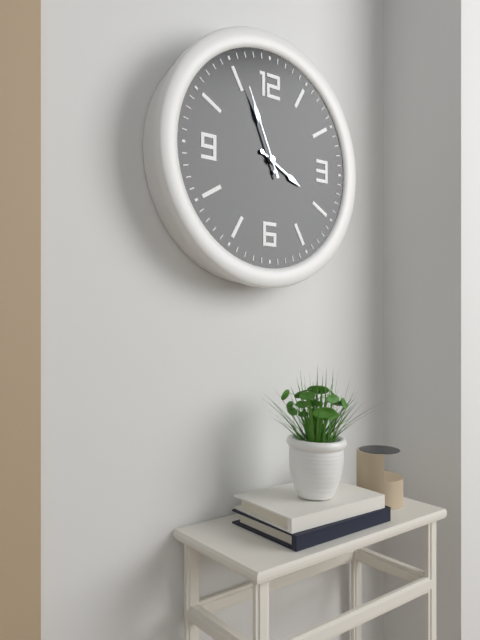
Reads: h=3 m=56 s=56
